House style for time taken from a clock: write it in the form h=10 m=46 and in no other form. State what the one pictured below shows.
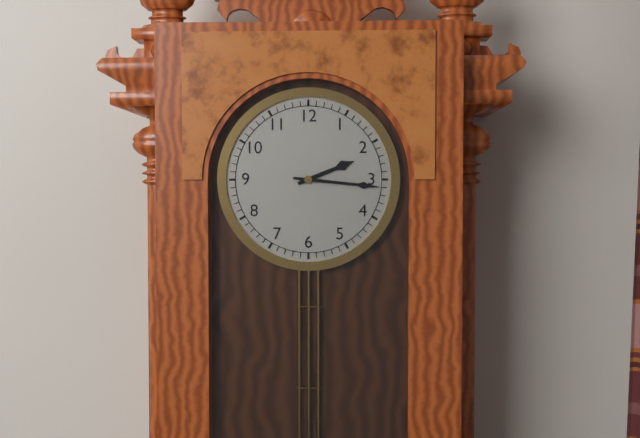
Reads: h=2 m=16
